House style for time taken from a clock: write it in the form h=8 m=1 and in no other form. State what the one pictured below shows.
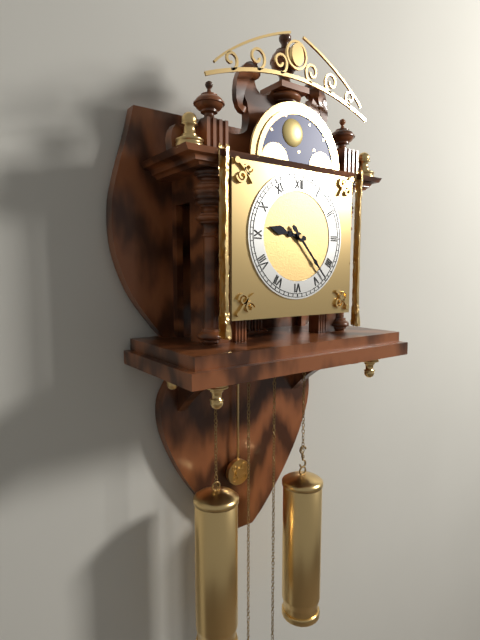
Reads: h=9 m=23
